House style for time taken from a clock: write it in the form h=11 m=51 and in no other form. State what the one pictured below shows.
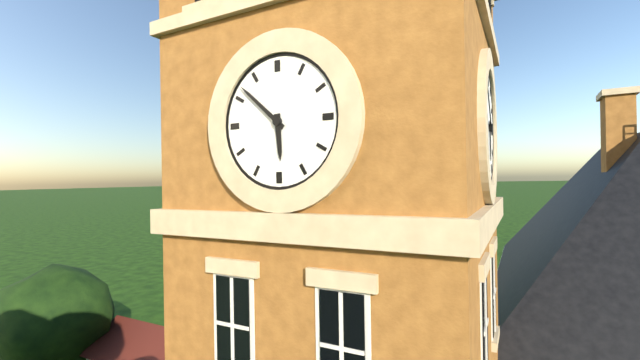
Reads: h=5 m=52
